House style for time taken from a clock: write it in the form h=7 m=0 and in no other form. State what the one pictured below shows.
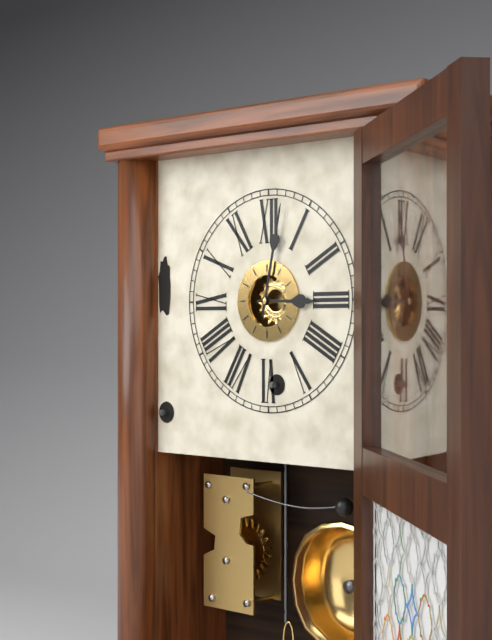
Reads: h=3 m=2
